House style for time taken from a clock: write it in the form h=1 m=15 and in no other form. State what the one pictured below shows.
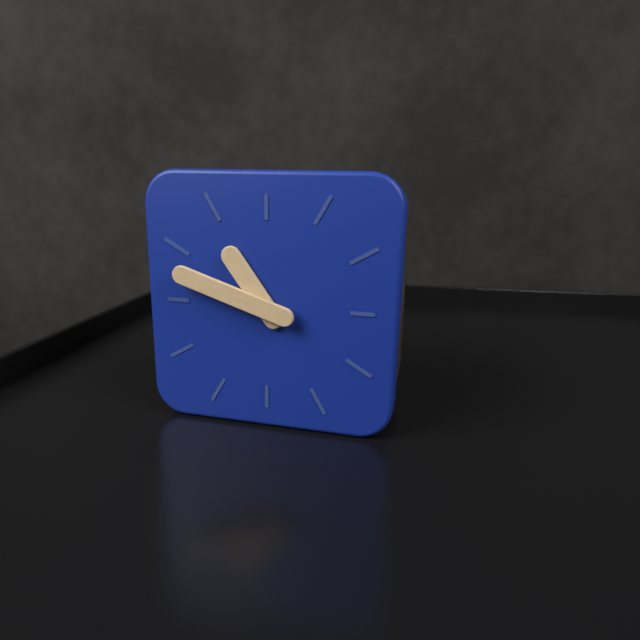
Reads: h=10 m=48
